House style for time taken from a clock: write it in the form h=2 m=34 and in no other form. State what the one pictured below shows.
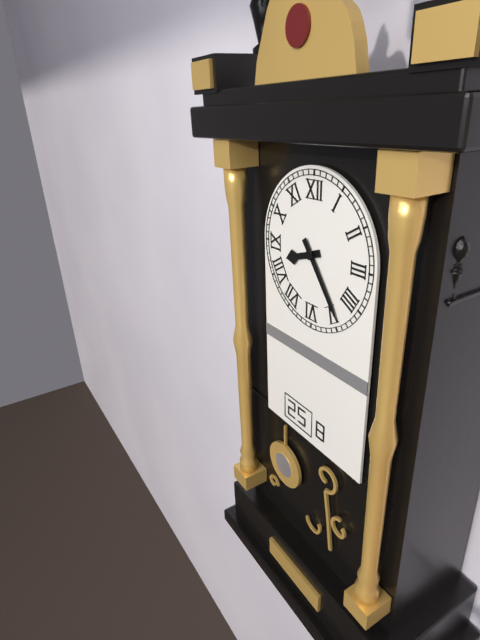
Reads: h=8 m=24
